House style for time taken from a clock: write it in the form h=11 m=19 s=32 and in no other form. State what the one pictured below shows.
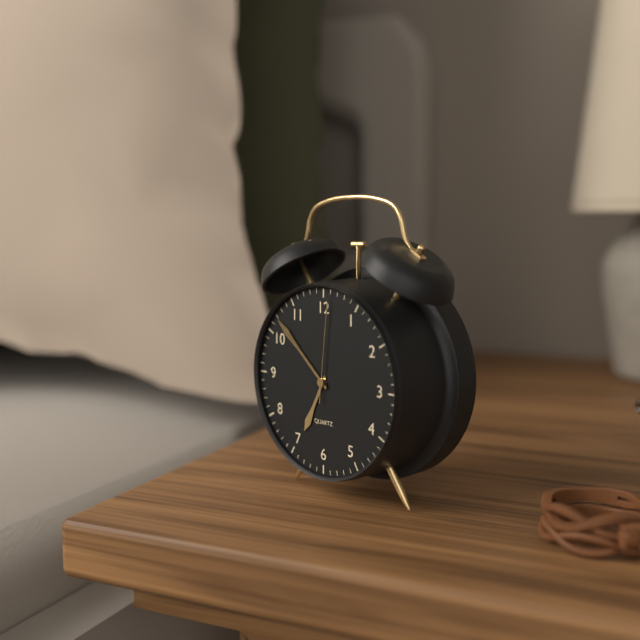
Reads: h=6 m=52 s=1
